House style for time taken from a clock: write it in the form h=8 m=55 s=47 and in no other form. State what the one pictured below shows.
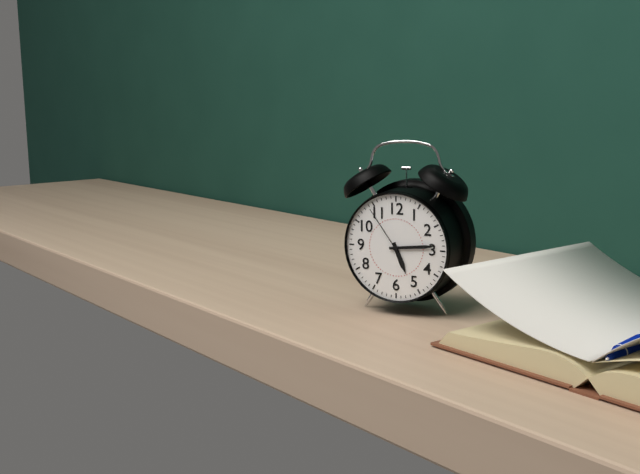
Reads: h=5 m=14 s=54
